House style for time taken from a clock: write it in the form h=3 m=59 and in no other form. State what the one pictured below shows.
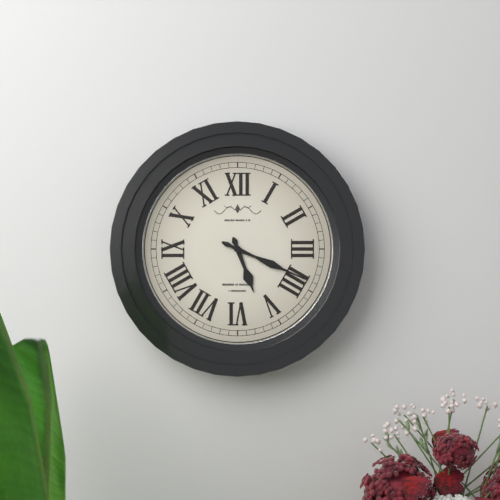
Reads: h=5 m=19
